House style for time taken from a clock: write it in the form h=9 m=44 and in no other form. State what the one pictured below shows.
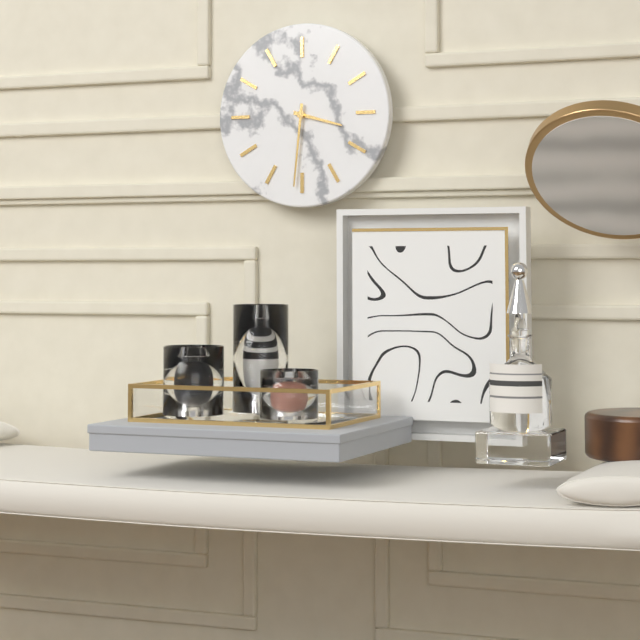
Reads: h=3 m=31
